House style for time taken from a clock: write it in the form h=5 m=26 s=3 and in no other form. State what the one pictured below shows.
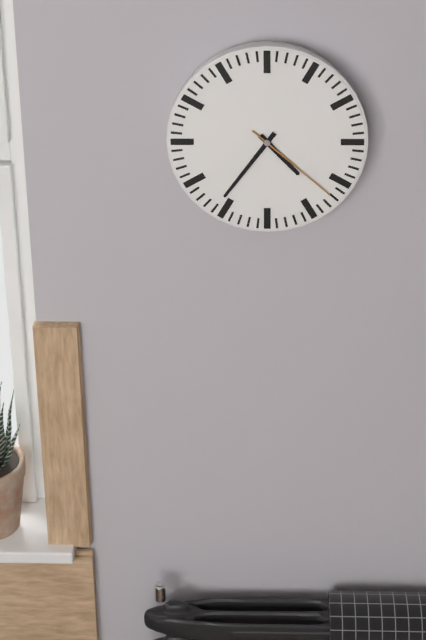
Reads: h=4 m=36 s=22
